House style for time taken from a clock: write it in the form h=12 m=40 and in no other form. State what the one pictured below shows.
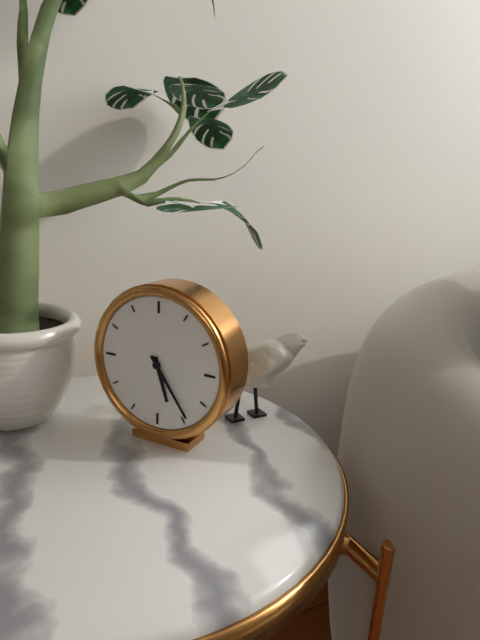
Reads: h=5 m=24
